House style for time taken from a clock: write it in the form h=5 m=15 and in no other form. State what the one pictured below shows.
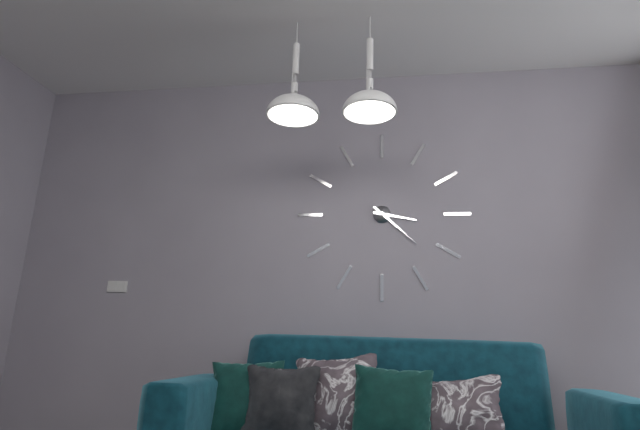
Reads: h=3 m=22
